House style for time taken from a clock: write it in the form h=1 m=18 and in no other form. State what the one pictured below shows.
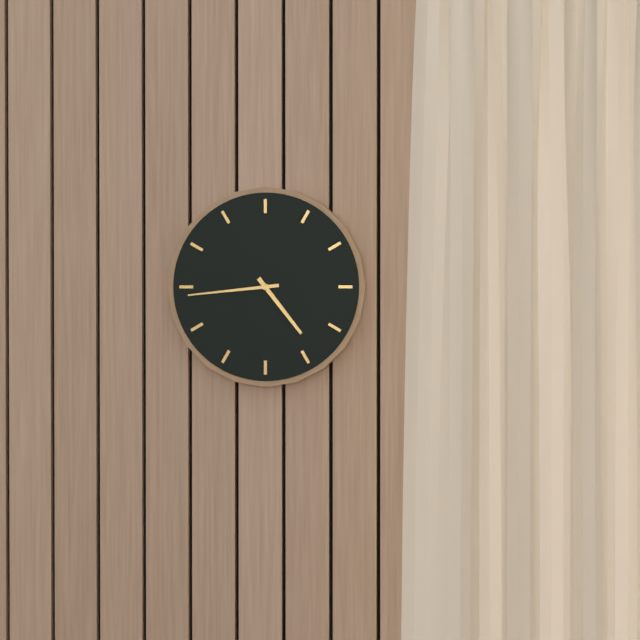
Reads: h=4 m=44
